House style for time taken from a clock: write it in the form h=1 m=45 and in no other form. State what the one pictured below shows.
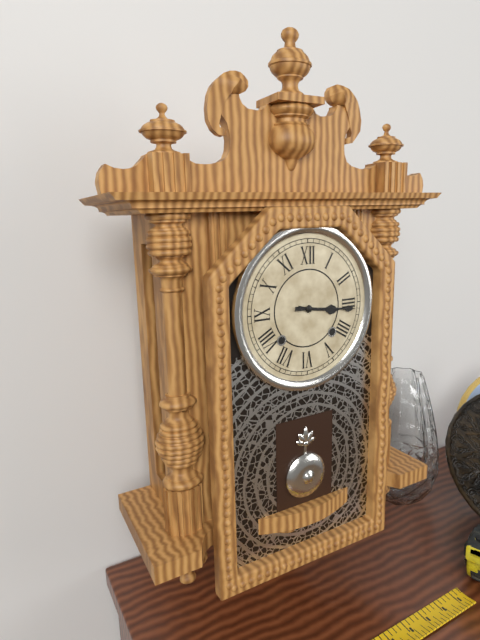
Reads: h=3 m=16
